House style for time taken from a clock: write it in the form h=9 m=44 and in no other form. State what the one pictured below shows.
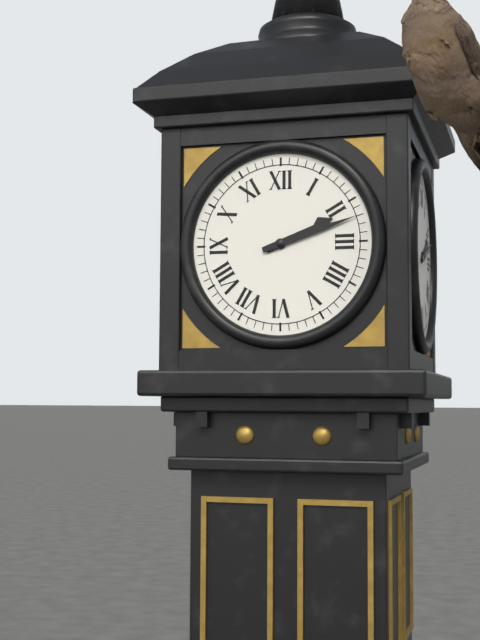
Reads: h=2 m=12
